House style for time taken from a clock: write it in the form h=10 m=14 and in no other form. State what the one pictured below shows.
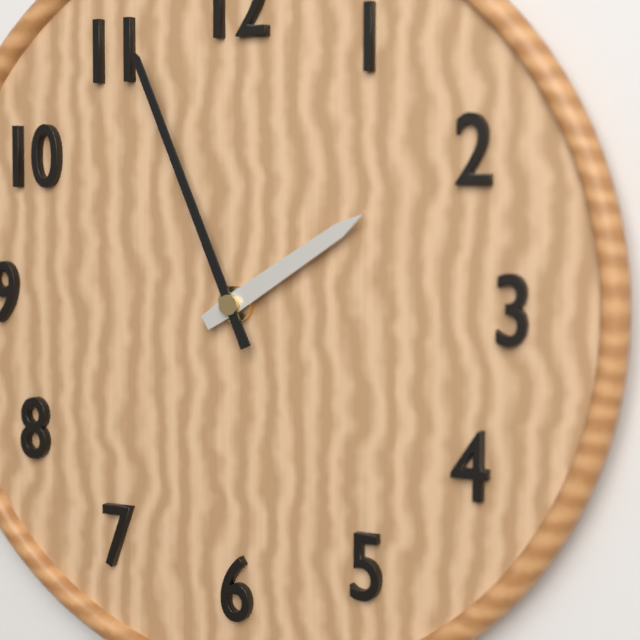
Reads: h=1 m=56
